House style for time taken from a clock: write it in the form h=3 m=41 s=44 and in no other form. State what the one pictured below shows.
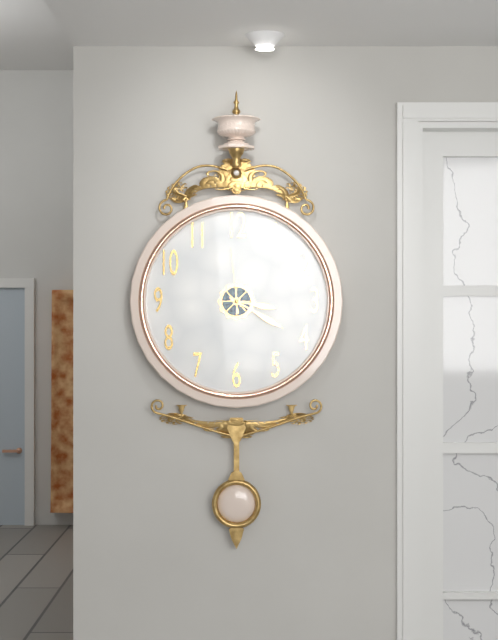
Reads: h=3 m=20 s=59
